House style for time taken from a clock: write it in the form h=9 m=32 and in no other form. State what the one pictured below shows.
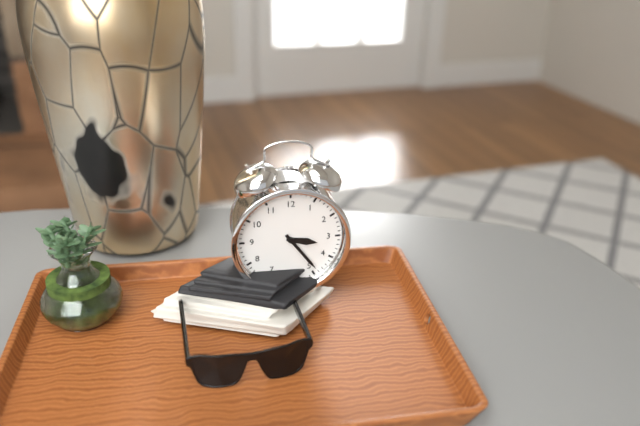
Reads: h=3 m=24
